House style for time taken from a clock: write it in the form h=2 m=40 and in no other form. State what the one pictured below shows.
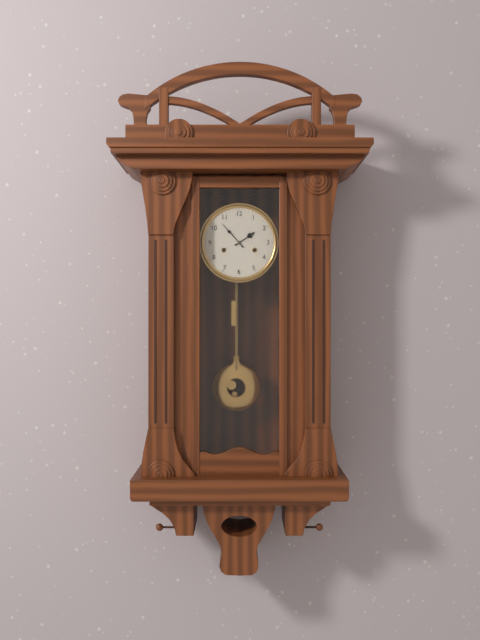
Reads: h=1 m=53
